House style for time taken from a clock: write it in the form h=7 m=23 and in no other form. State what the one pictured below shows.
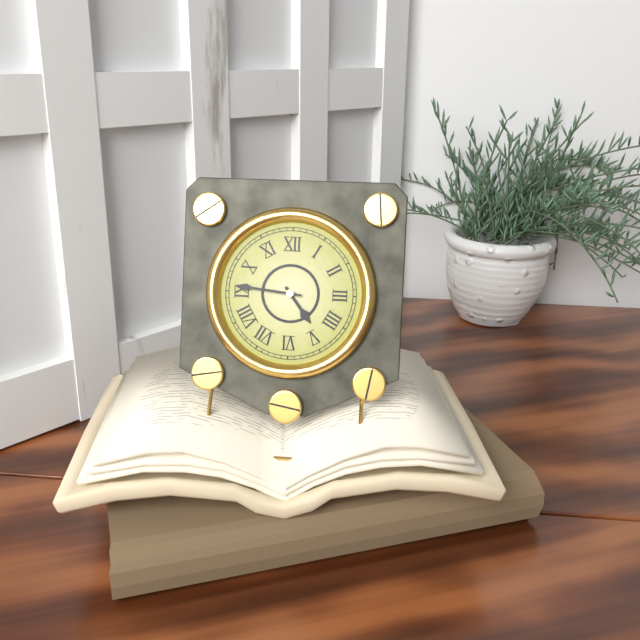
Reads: h=4 m=46
